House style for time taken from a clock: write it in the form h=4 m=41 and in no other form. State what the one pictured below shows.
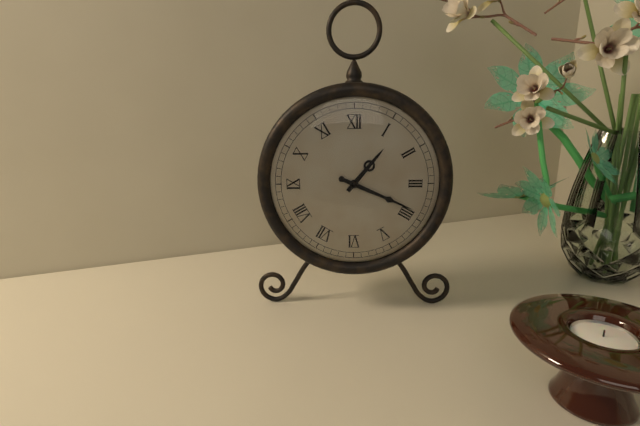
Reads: h=1 m=19
